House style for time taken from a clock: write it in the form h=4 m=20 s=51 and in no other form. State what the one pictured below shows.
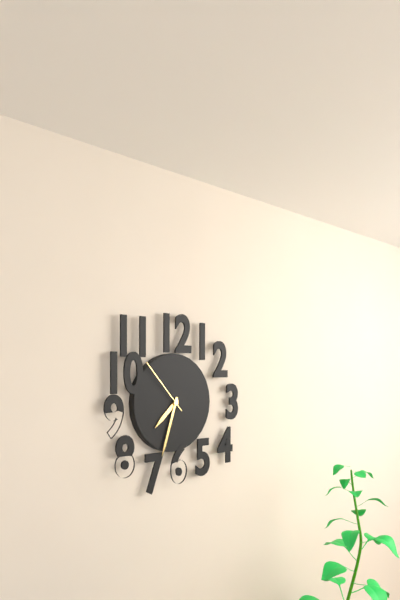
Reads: h=7 m=33 s=53
